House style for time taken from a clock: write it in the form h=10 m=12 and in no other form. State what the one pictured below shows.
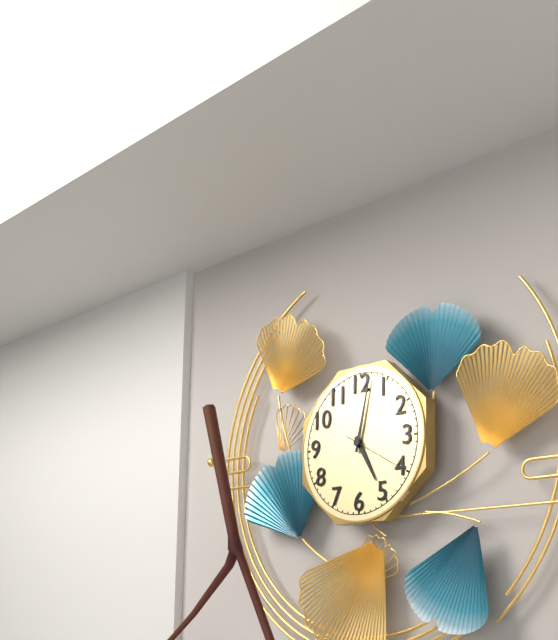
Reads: h=5 m=2
